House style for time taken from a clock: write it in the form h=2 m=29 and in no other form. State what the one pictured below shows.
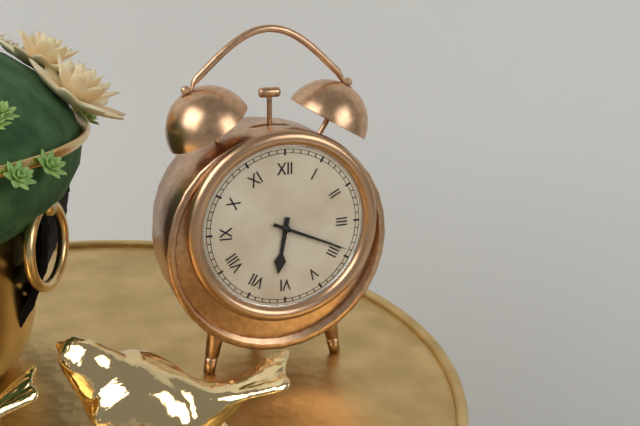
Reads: h=6 m=19
